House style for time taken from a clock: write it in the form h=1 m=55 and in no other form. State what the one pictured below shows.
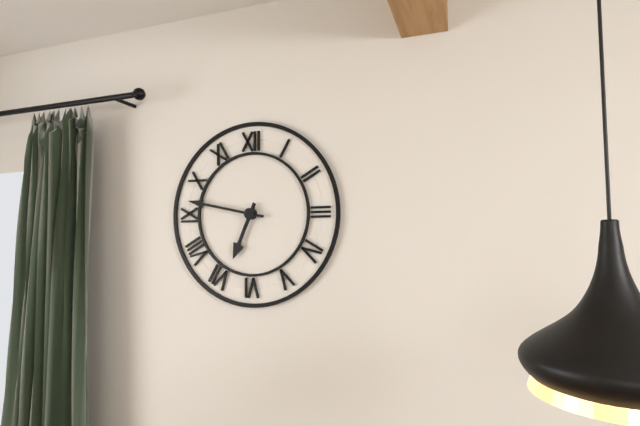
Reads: h=6 m=47
